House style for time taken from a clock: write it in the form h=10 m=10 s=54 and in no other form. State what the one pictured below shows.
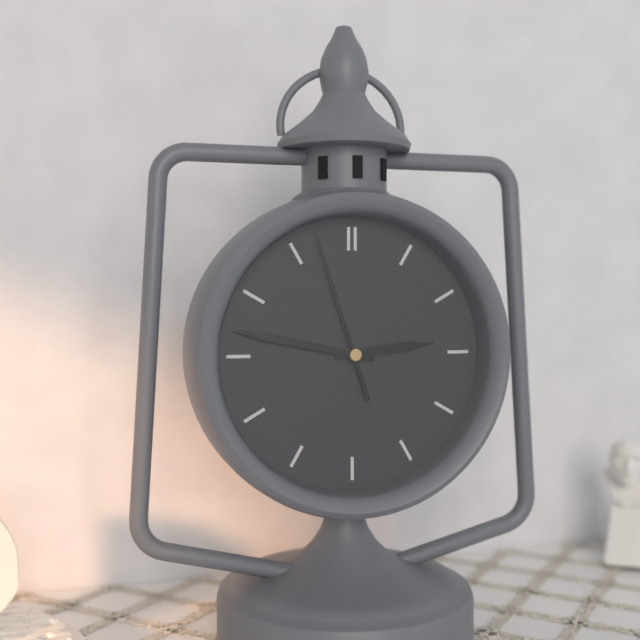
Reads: h=2 m=47 s=57
